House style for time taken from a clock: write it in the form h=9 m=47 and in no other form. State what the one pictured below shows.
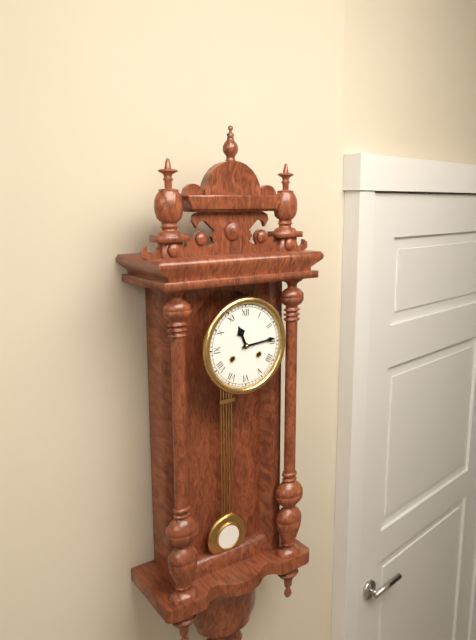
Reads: h=11 m=14
